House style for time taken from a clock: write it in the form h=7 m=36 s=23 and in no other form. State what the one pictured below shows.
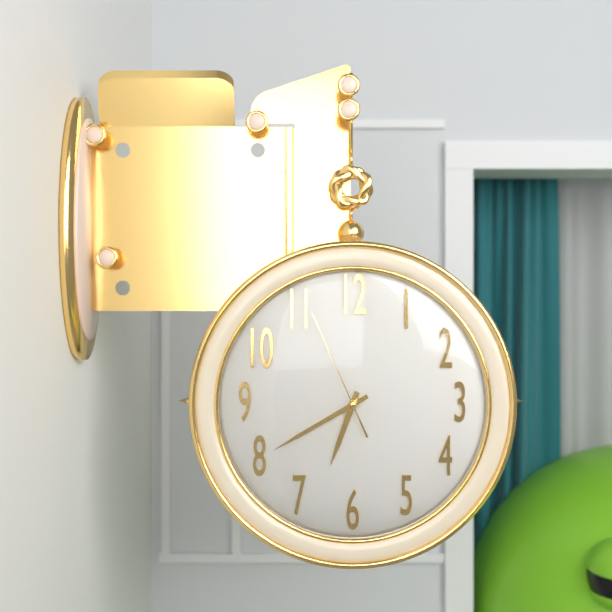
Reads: h=6 m=40 s=56
